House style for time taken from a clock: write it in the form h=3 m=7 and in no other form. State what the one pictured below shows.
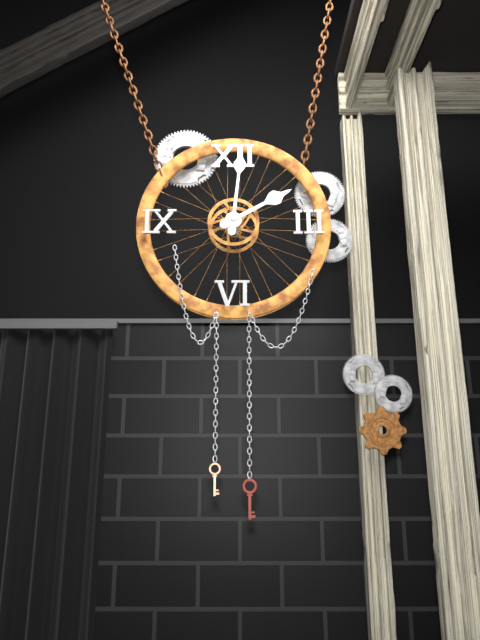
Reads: h=2 m=1
